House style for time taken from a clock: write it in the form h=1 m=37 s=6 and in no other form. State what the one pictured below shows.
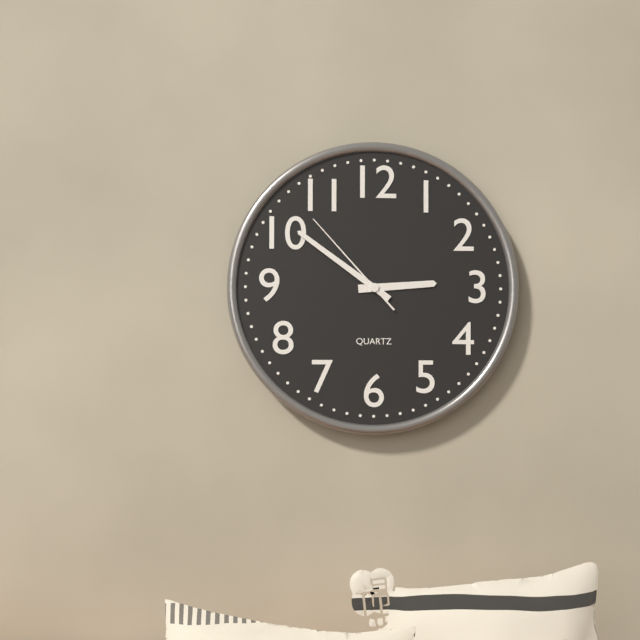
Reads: h=2 m=51 s=53
